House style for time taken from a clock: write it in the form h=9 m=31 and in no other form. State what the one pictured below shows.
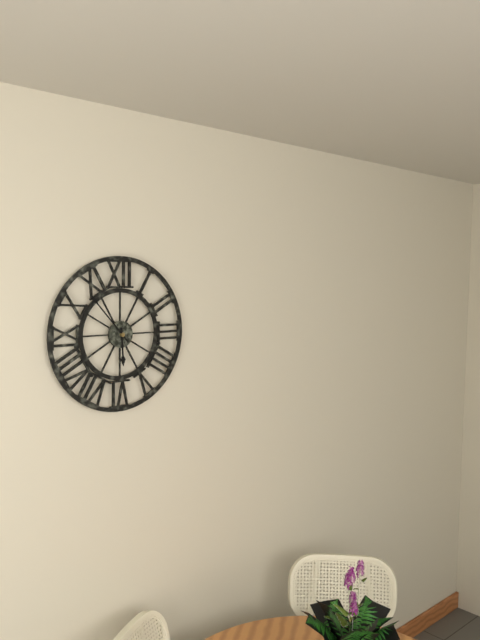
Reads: h=5 m=53
